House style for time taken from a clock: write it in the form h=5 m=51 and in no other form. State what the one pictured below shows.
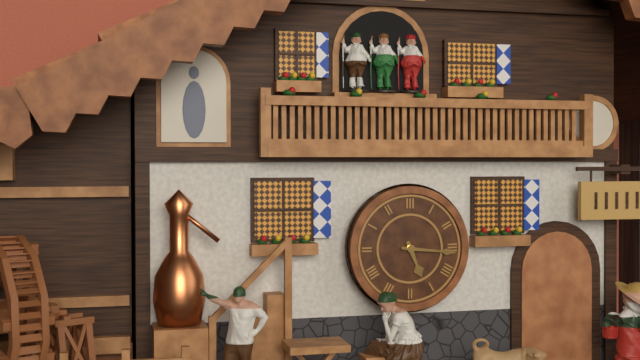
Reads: h=5 m=16
